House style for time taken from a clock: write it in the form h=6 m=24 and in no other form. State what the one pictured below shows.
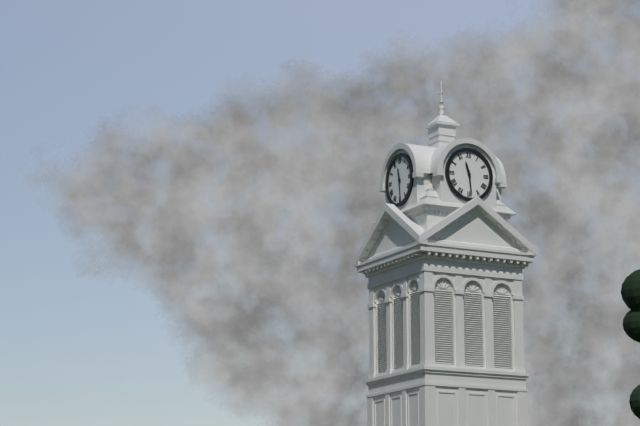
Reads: h=11 m=29
